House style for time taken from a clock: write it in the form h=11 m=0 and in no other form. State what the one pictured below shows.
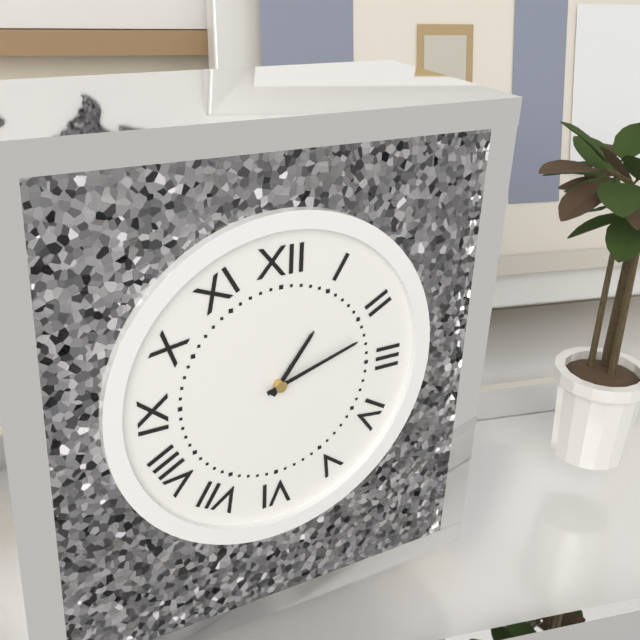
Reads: h=1 m=12
